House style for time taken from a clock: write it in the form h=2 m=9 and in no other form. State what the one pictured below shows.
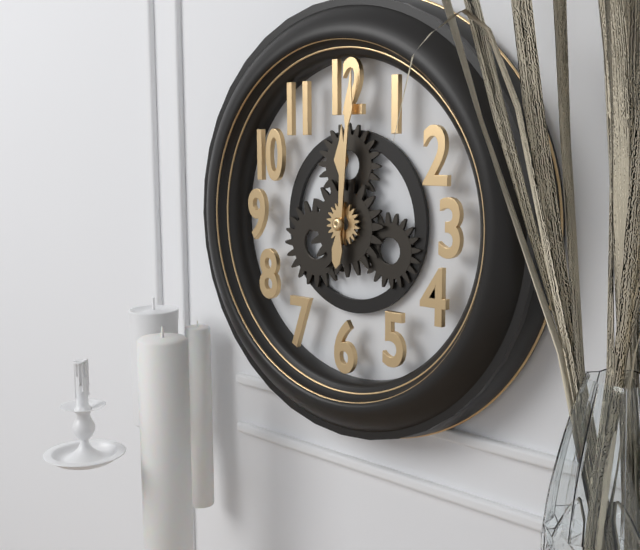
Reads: h=12 m=1
